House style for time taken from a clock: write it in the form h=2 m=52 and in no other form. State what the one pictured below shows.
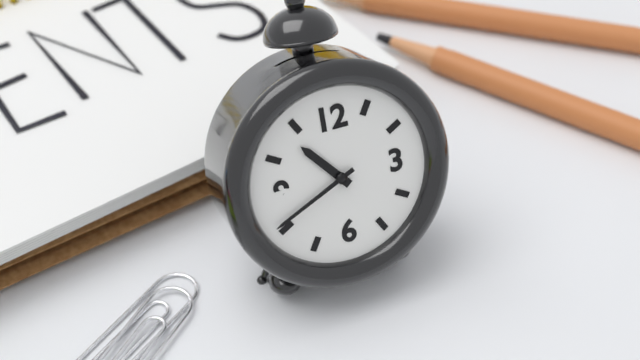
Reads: h=10 m=41
